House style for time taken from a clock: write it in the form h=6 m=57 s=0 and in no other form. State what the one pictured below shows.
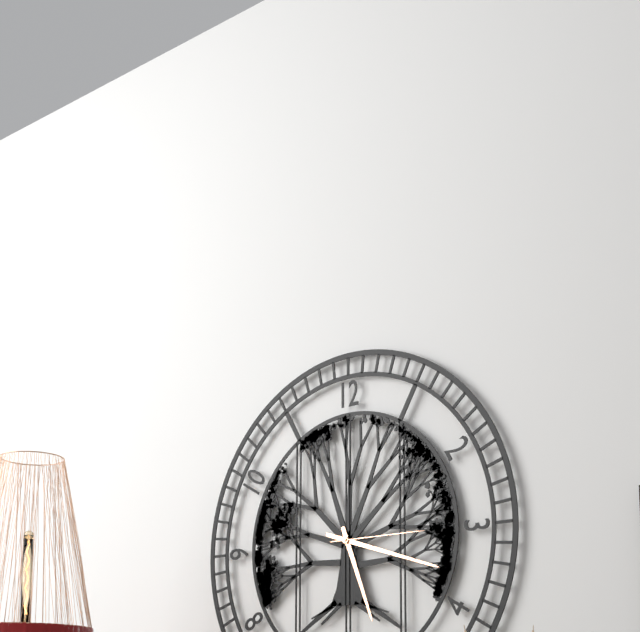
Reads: h=5 m=18 s=15
